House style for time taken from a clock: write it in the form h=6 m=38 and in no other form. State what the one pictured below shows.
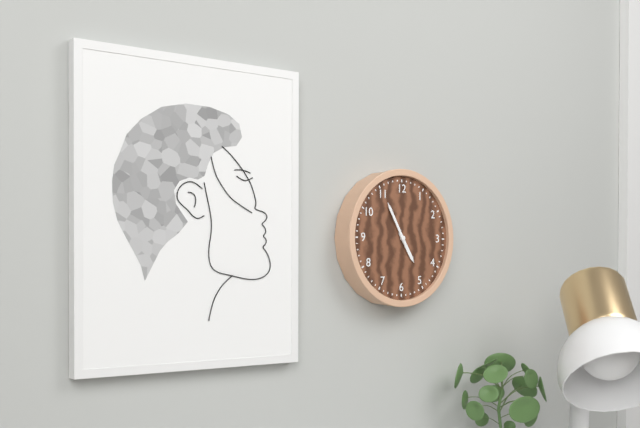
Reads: h=4 m=55
